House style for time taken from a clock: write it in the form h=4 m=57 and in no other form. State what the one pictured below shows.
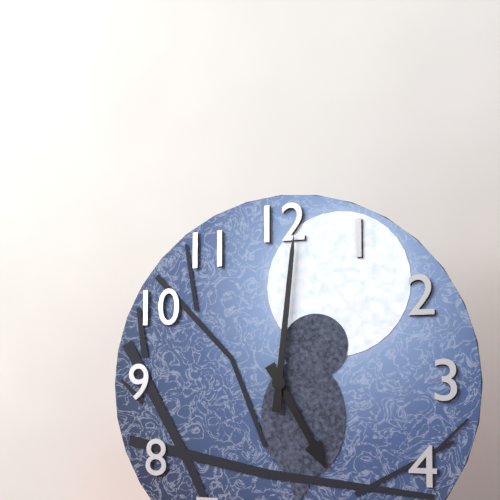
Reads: h=5 m=1
